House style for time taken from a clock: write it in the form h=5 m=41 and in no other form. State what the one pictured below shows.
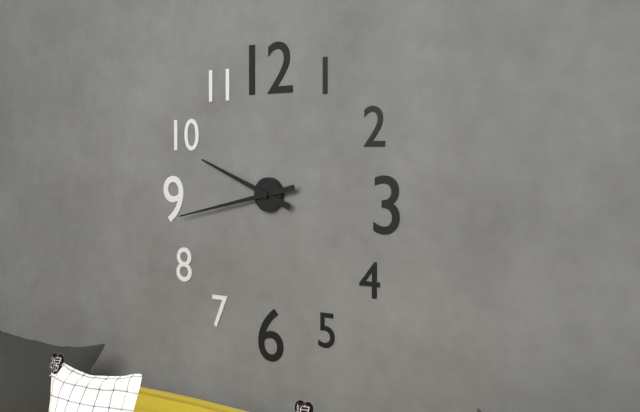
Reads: h=9 m=43
